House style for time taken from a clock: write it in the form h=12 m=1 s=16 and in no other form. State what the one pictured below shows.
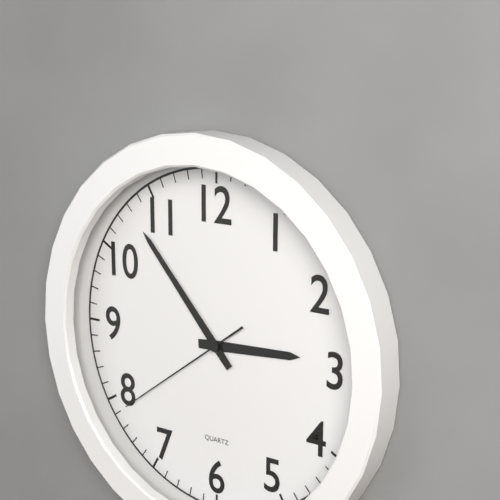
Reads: h=2 m=53 s=39
